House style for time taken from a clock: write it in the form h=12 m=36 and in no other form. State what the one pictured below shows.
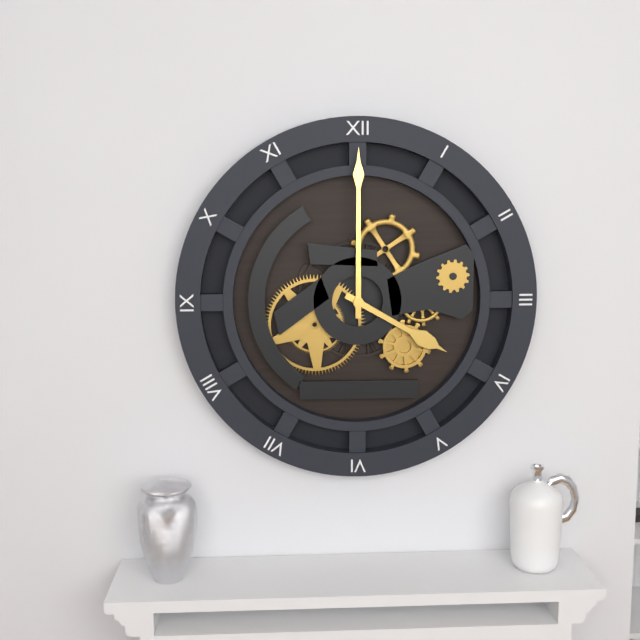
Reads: h=4 m=0
